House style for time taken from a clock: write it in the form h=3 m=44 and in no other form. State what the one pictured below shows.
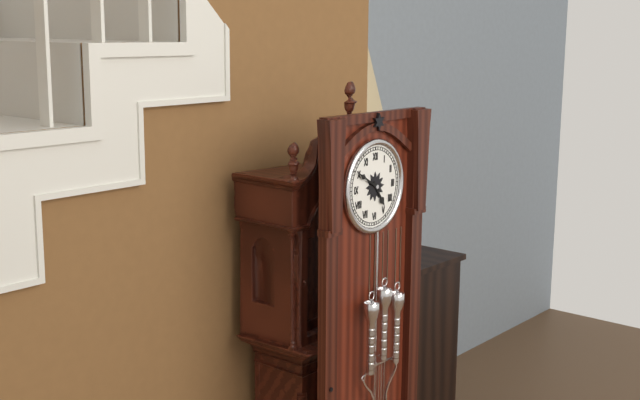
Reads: h=4 m=50
